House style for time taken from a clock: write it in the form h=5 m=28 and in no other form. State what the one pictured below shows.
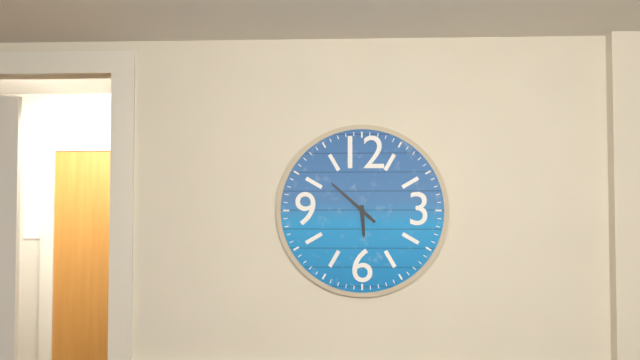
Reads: h=5 m=52
